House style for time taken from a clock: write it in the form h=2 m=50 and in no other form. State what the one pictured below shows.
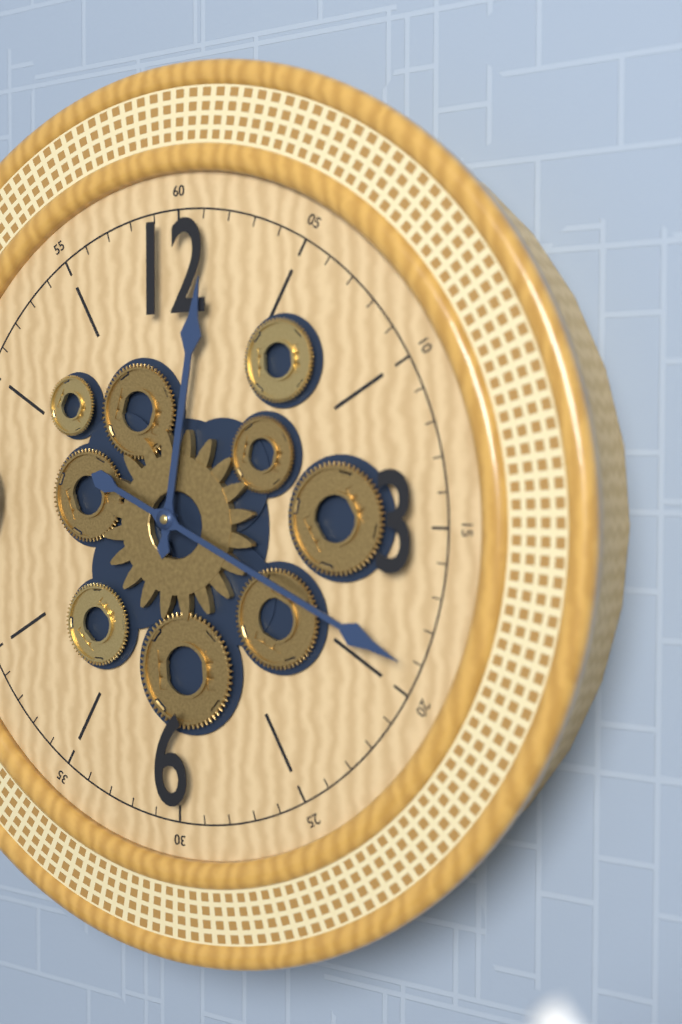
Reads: h=12 m=19
